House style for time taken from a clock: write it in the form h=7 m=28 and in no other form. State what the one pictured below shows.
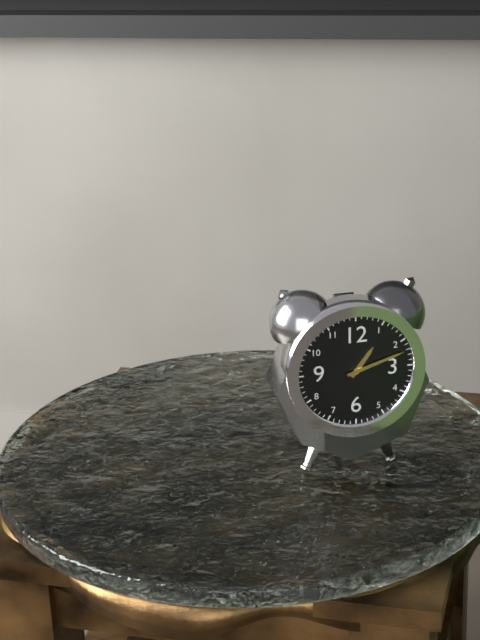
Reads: h=1 m=12
